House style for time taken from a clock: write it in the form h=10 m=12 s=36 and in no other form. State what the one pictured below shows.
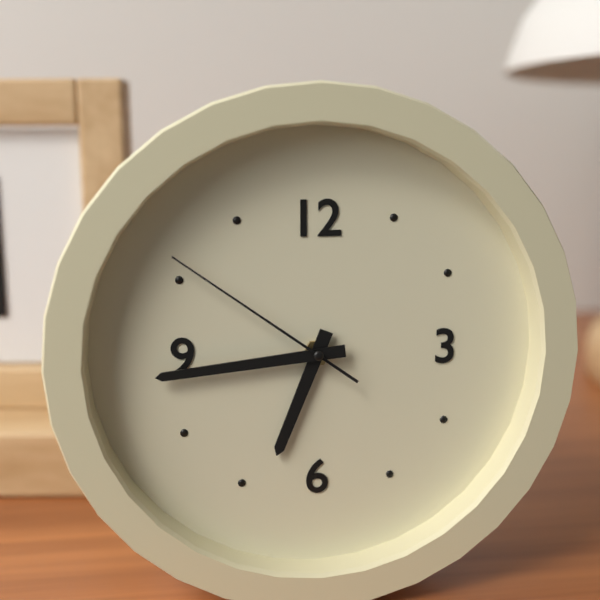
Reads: h=6 m=44 s=51
